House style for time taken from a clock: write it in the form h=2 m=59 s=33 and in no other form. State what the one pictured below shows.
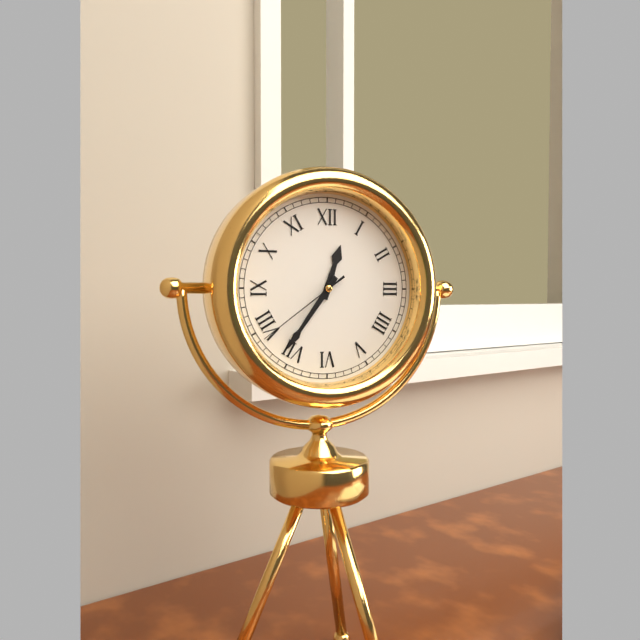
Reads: h=12 m=36 s=39
